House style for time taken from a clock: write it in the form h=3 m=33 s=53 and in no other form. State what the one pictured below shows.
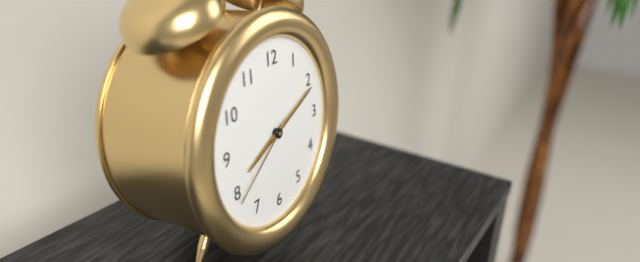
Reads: h=8 m=11 s=39
